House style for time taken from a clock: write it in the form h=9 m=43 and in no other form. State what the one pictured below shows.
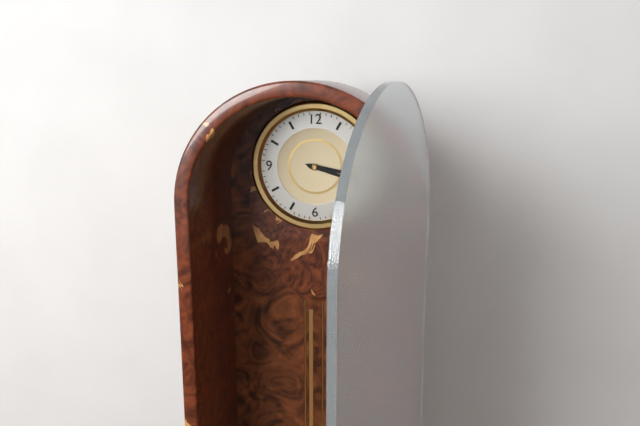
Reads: h=3 m=18
